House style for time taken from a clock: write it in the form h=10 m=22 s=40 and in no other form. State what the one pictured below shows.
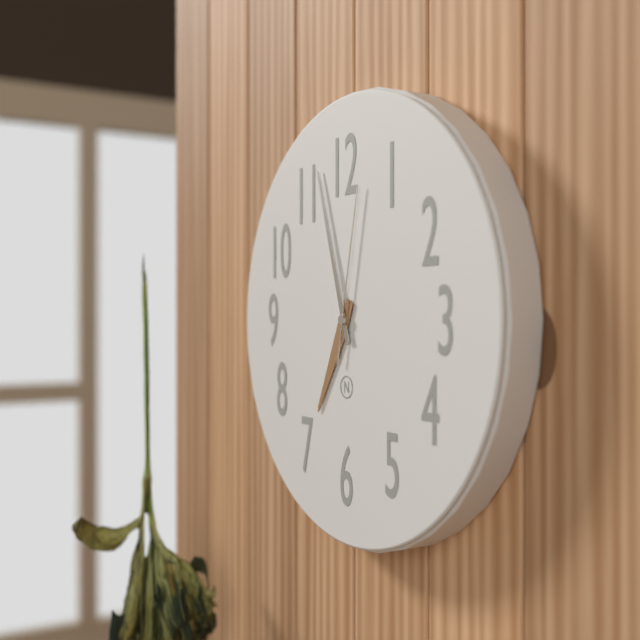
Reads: h=6 m=57 s=2
